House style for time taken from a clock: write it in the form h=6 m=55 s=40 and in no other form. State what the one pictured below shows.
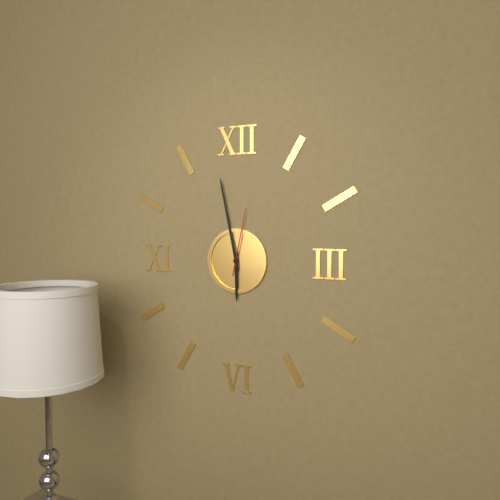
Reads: h=5 m=58 s=2
